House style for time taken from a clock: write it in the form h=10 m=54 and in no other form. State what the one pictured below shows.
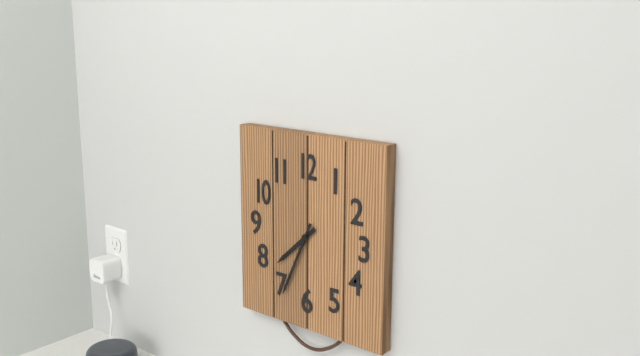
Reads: h=7 m=34
